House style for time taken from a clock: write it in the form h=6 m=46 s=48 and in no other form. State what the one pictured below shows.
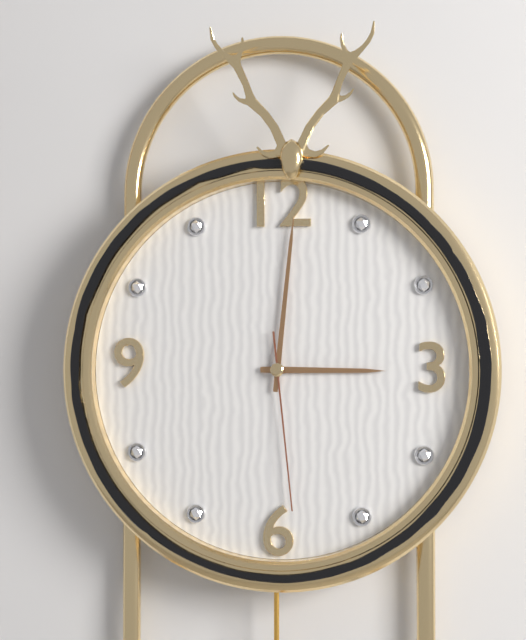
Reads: h=3 m=1 s=29
